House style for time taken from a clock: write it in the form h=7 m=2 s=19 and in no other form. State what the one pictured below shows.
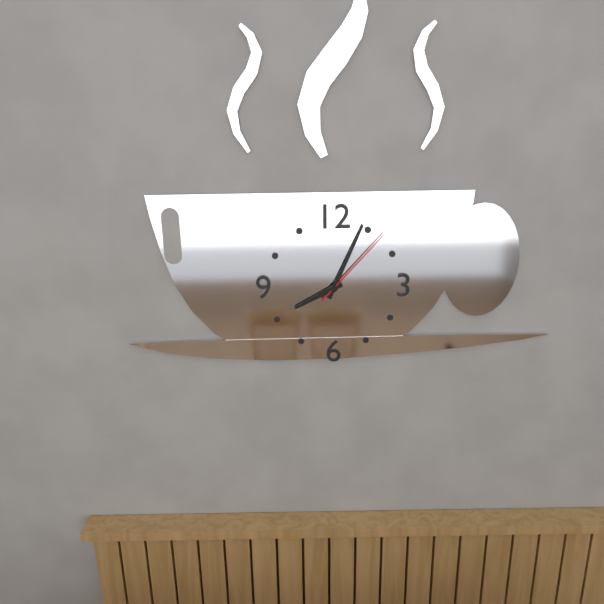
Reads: h=8 m=4 s=7
